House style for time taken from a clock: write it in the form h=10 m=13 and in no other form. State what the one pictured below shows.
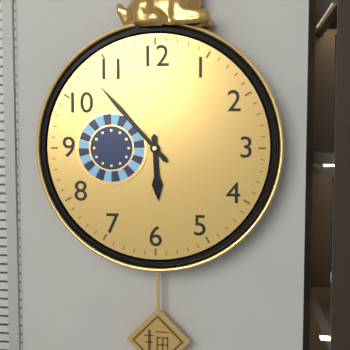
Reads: h=5 m=53
